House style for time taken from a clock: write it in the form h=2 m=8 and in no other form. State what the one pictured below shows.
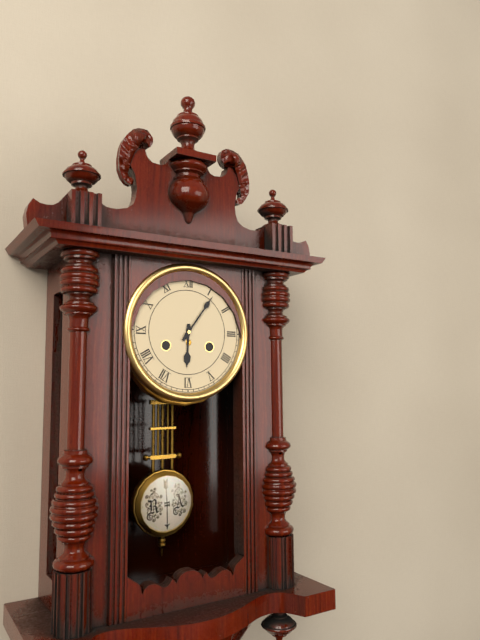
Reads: h=6 m=6
